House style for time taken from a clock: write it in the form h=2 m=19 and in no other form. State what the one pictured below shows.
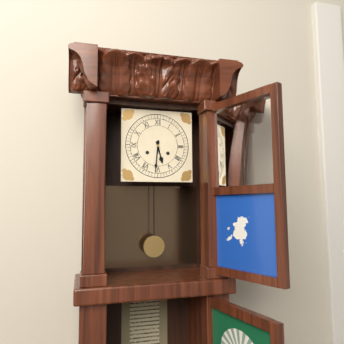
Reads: h=5 m=31
